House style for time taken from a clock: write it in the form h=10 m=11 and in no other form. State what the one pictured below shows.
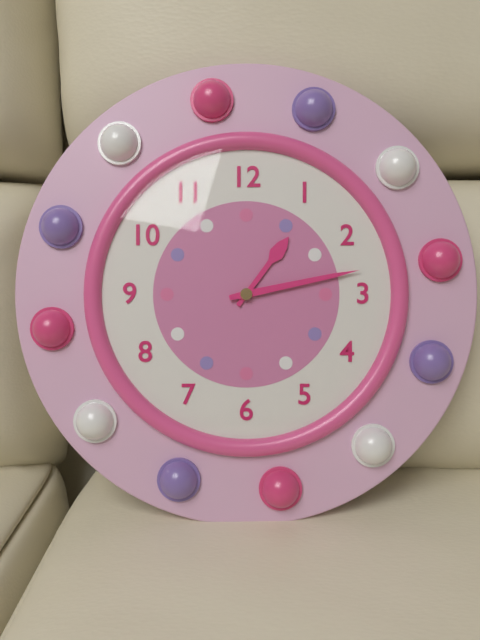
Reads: h=1 m=13
